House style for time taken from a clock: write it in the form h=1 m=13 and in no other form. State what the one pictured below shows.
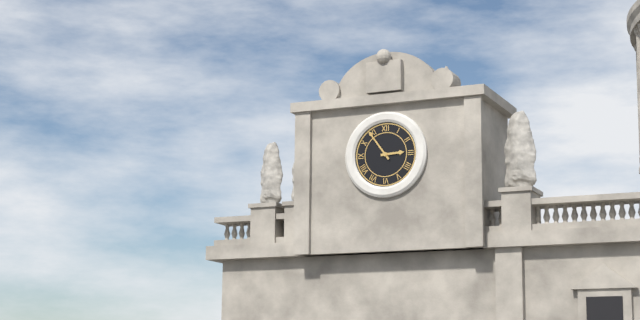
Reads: h=2 m=54
